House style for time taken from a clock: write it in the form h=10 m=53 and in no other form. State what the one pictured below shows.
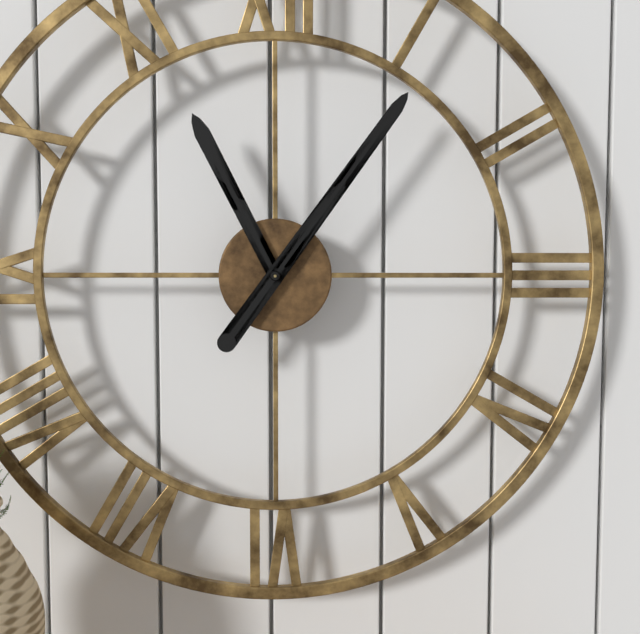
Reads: h=11 m=6
